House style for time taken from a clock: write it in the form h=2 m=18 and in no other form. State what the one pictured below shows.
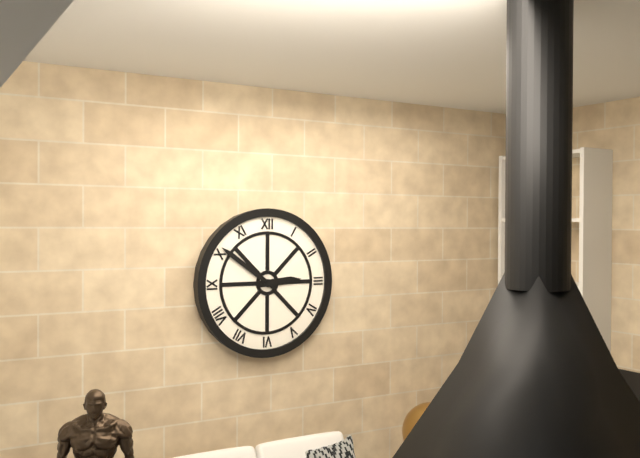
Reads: h=2 m=51
